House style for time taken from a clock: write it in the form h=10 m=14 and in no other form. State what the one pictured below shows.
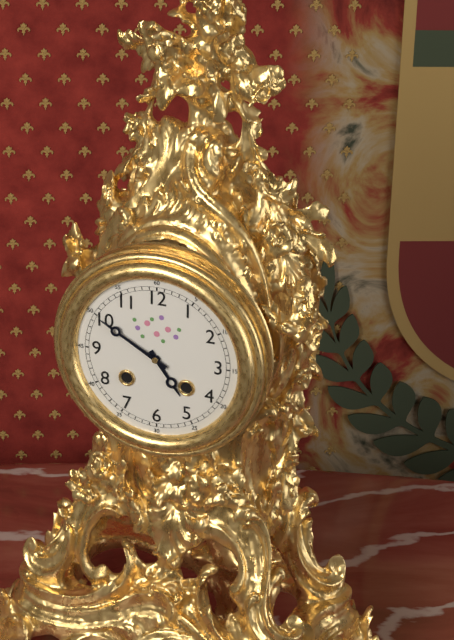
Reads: h=4 m=50
